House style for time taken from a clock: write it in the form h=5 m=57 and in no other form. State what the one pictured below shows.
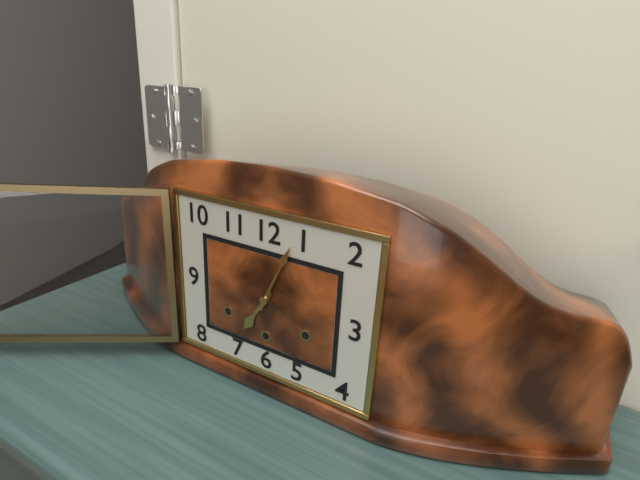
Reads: h=7 m=4
